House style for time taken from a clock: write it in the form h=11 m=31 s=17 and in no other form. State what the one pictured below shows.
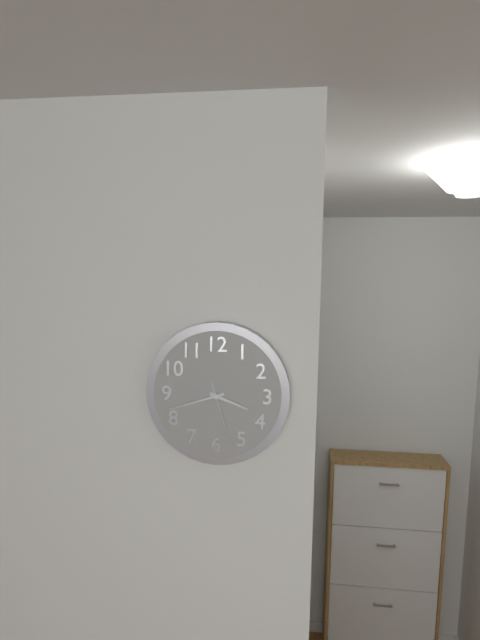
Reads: h=3 m=42 s=27
